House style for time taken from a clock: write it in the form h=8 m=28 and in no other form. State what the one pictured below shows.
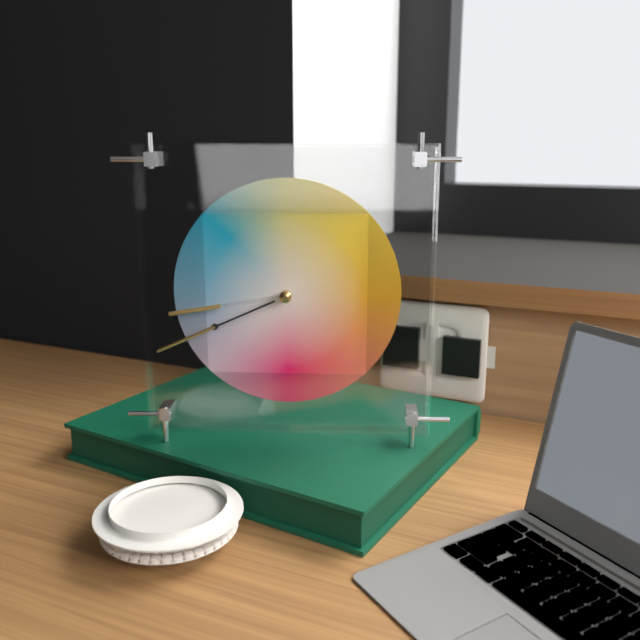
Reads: h=8 m=41
